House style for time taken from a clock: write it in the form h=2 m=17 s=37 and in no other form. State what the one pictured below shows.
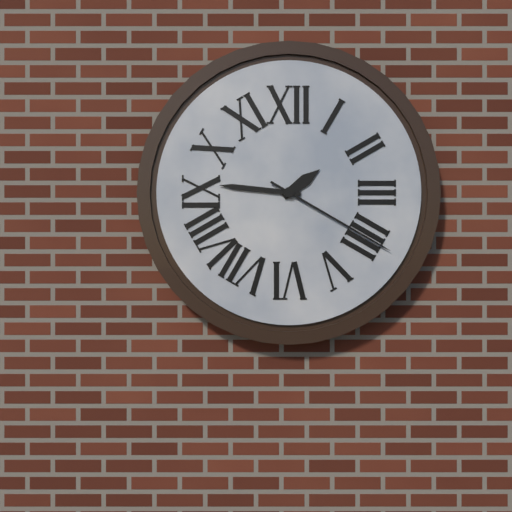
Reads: h=1 m=46 s=20
